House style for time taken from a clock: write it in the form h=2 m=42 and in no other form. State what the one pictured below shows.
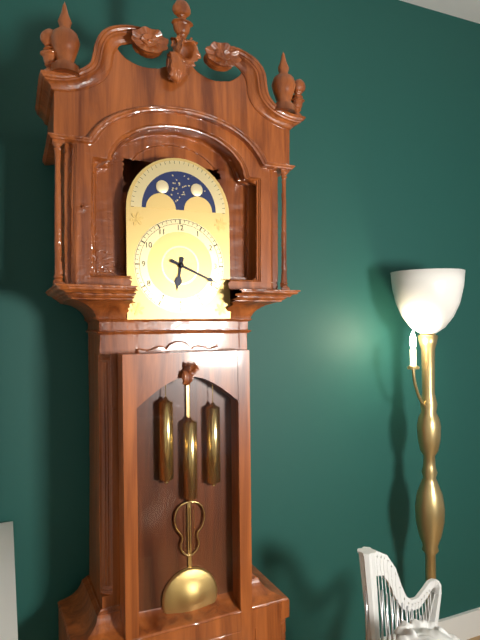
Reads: h=6 m=19
